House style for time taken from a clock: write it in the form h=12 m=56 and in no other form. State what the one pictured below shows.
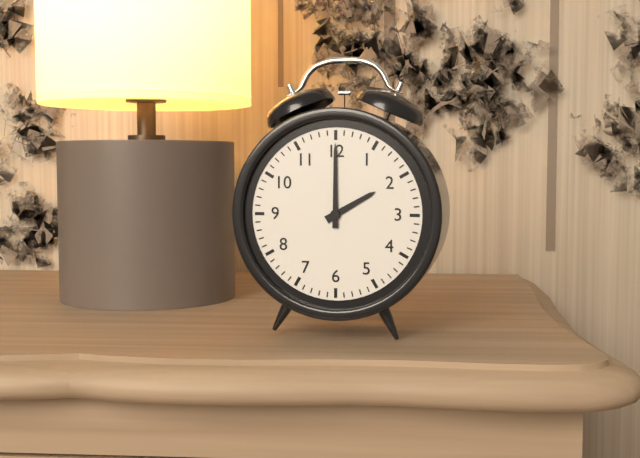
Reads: h=2 m=0
